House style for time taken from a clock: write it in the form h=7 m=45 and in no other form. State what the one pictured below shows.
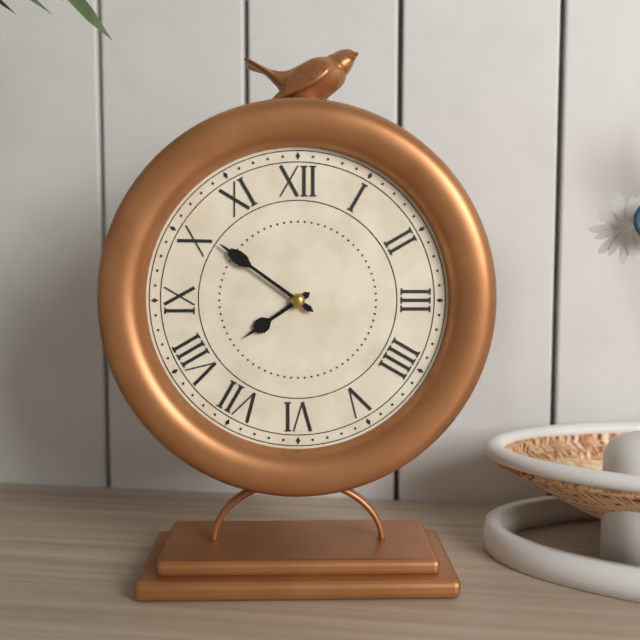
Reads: h=7 m=51
